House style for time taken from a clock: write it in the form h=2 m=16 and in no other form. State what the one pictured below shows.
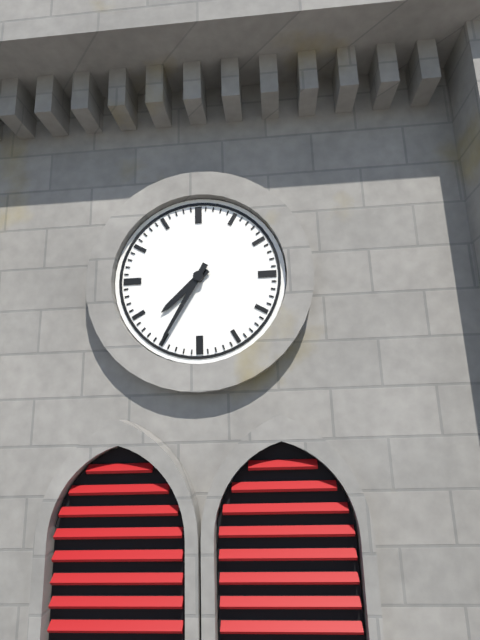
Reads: h=7 m=35
